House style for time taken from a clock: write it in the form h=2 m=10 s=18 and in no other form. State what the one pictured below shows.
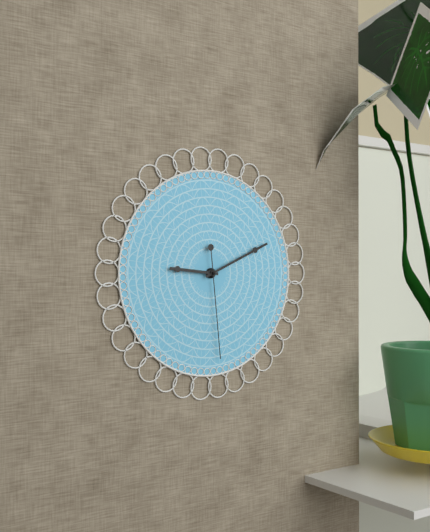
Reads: h=9 m=11 s=29
